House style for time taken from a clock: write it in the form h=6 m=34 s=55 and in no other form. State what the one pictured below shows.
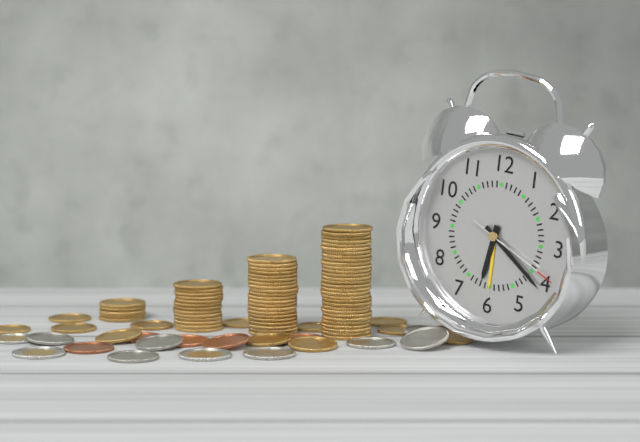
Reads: h=6 m=21 s=19
